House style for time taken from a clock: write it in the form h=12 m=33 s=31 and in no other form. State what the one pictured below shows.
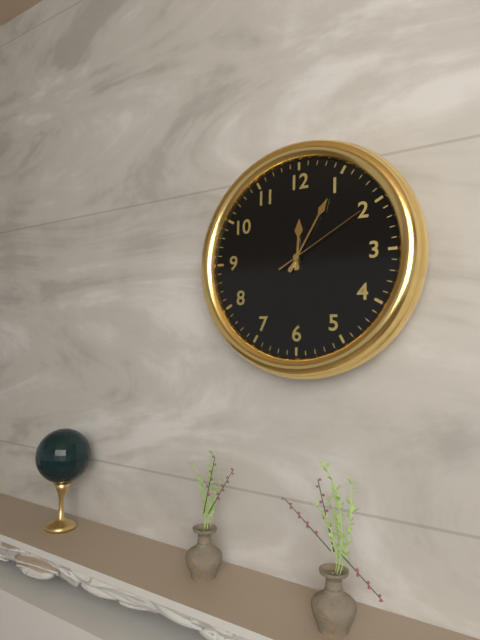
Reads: h=12 m=5 s=10
